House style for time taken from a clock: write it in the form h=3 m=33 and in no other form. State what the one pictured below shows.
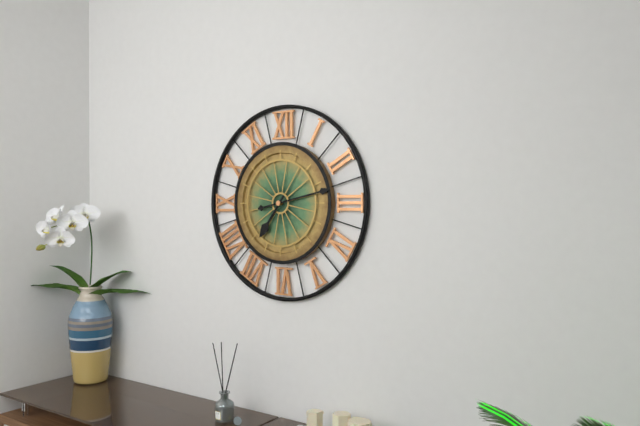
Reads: h=7 m=13
